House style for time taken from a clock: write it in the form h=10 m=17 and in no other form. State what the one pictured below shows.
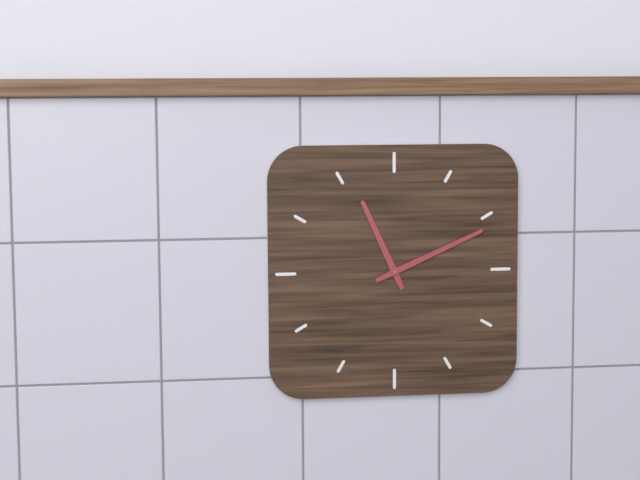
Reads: h=11 m=11
